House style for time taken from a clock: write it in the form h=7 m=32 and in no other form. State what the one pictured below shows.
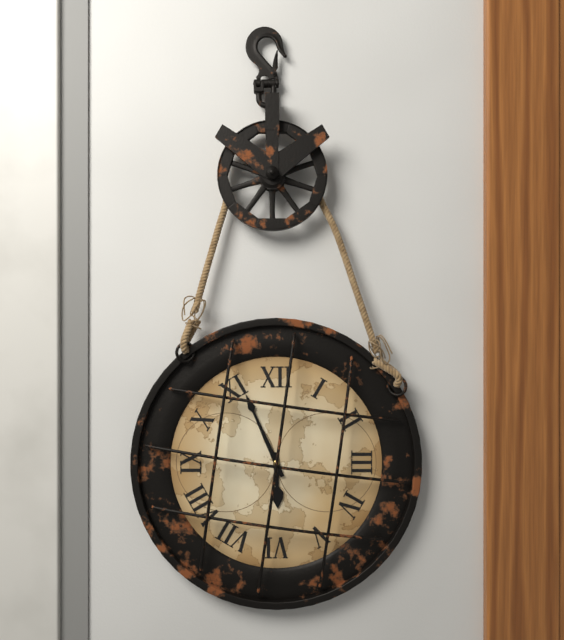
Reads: h=5 m=56
